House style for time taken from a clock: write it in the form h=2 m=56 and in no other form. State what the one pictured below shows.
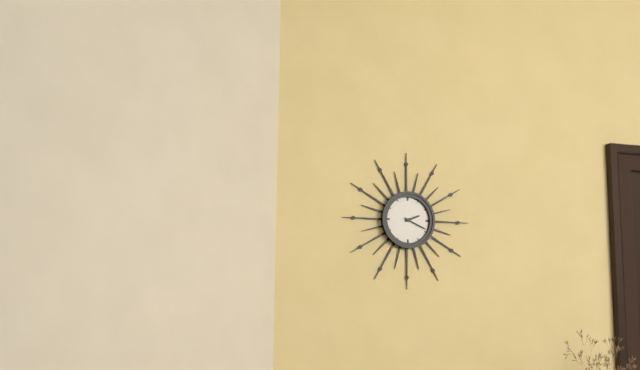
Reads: h=2 m=19
